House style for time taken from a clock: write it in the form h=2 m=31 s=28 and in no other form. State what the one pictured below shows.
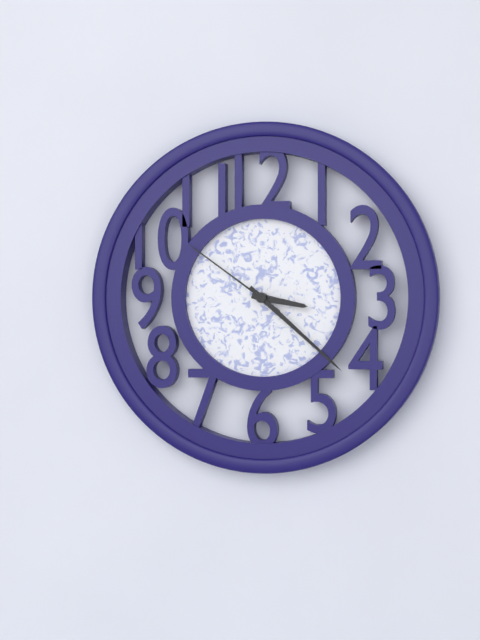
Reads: h=3 m=22 s=51
